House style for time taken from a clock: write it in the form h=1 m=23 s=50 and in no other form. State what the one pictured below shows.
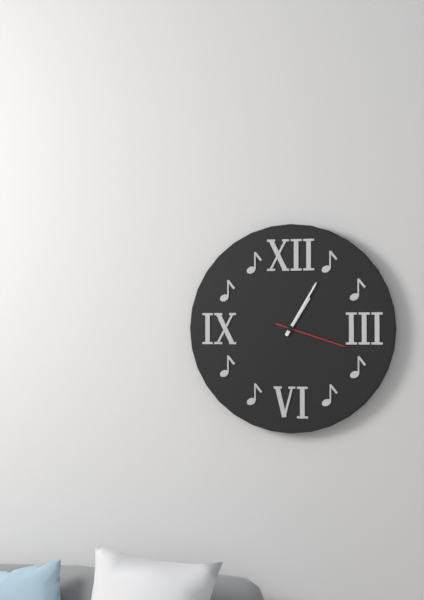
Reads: h=1 m=5 s=18
